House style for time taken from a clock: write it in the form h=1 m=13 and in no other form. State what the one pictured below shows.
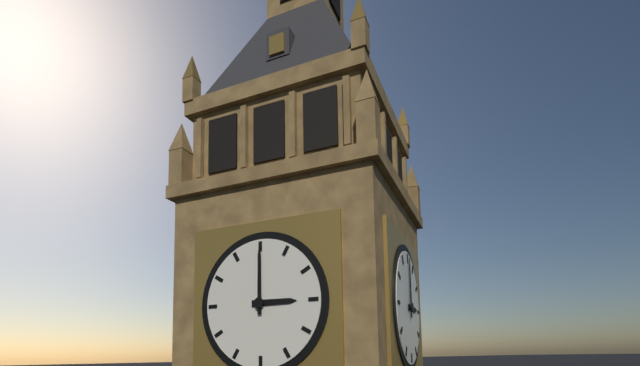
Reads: h=3 m=0
